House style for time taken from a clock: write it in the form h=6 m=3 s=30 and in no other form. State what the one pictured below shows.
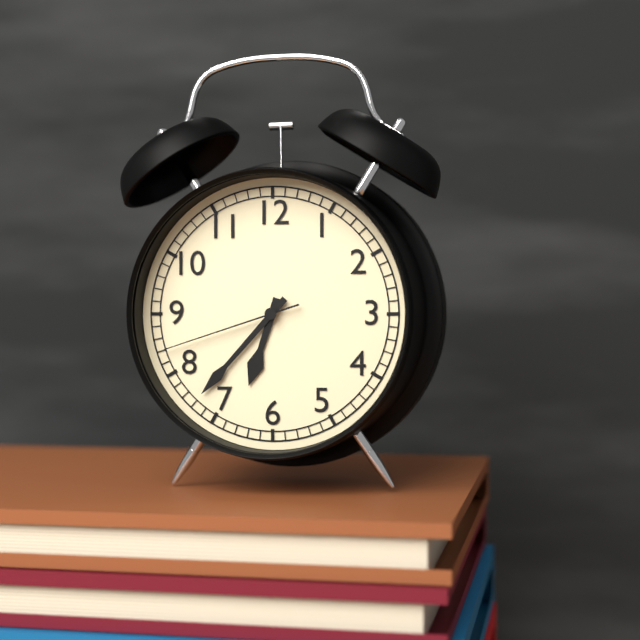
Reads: h=6 m=37 s=42
